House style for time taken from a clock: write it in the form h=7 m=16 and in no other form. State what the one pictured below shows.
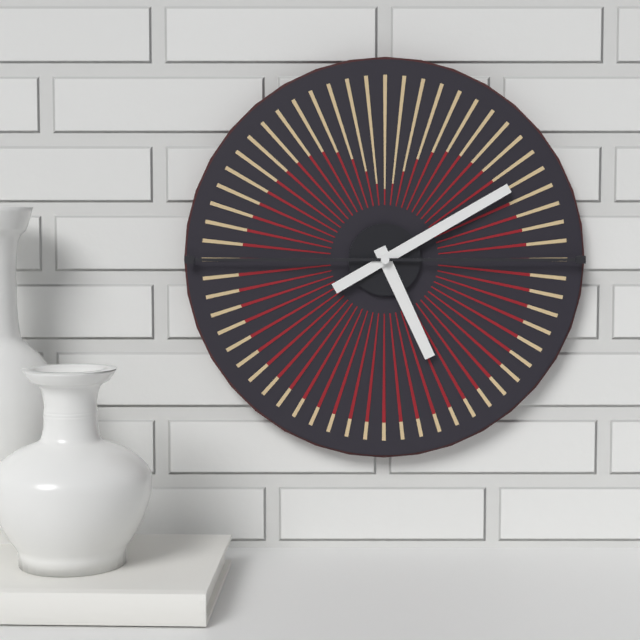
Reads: h=5 m=10
